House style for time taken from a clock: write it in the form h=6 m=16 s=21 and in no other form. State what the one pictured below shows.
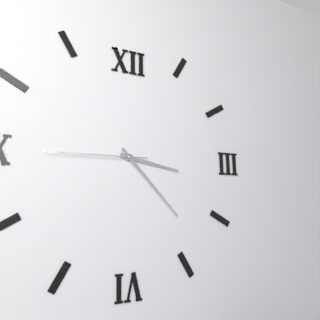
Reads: h=3 m=23 s=45
